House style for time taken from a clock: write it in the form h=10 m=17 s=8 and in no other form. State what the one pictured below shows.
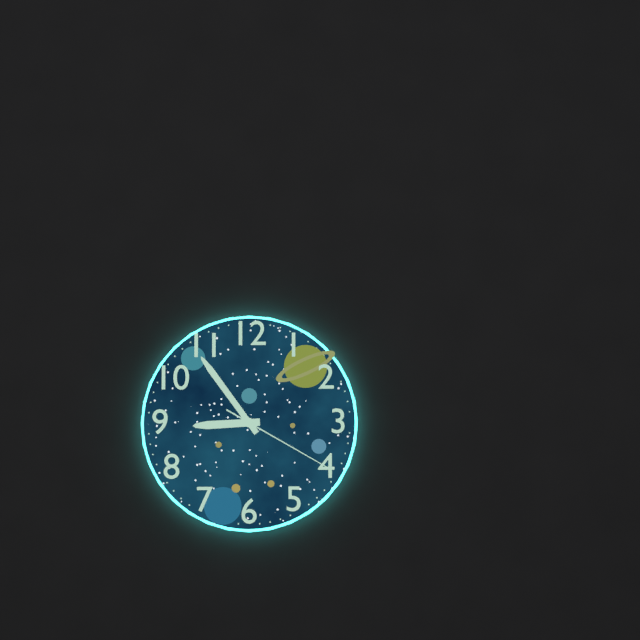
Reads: h=8 m=54 s=20
